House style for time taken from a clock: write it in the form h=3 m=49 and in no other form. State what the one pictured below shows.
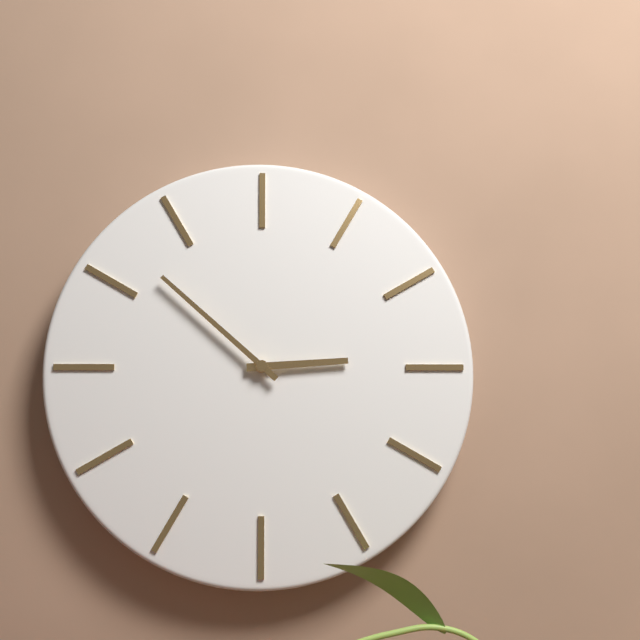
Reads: h=2 m=52
